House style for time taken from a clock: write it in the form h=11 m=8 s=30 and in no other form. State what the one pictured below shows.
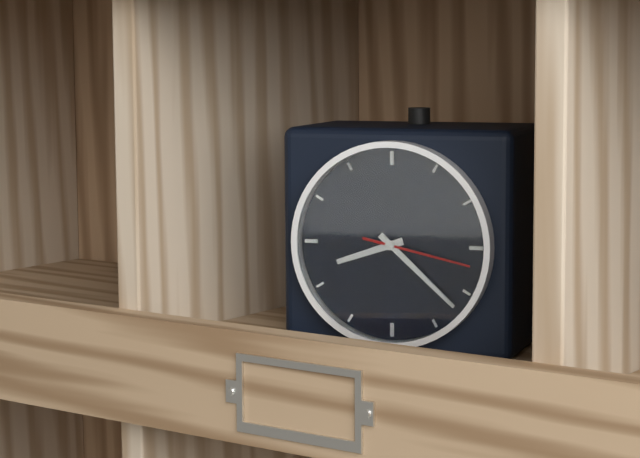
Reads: h=8 m=22 s=17
